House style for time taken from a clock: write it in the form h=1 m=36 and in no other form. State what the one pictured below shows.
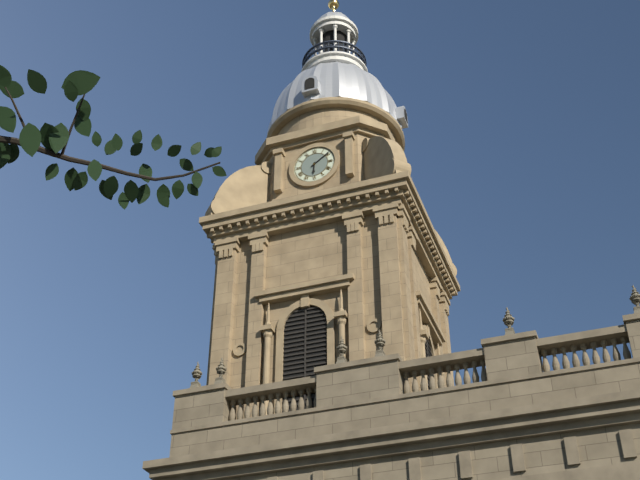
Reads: h=6 m=9
